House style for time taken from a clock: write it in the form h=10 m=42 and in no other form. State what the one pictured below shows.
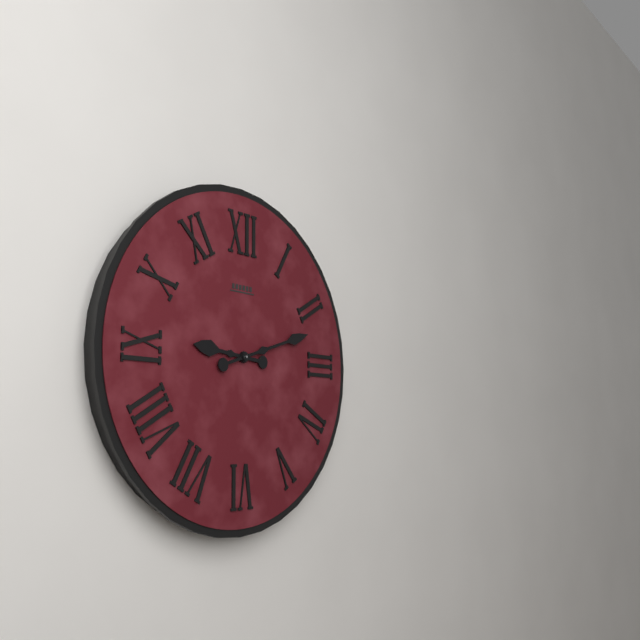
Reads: h=9 m=12
